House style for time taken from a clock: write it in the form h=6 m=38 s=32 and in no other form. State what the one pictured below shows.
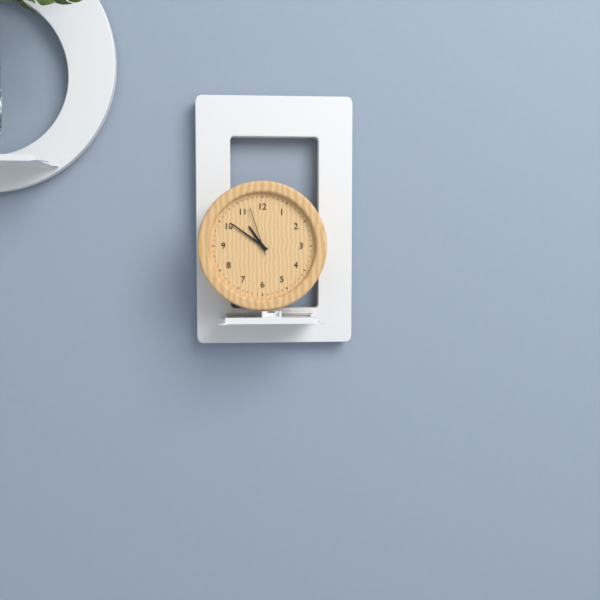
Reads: h=10 m=51 s=57
